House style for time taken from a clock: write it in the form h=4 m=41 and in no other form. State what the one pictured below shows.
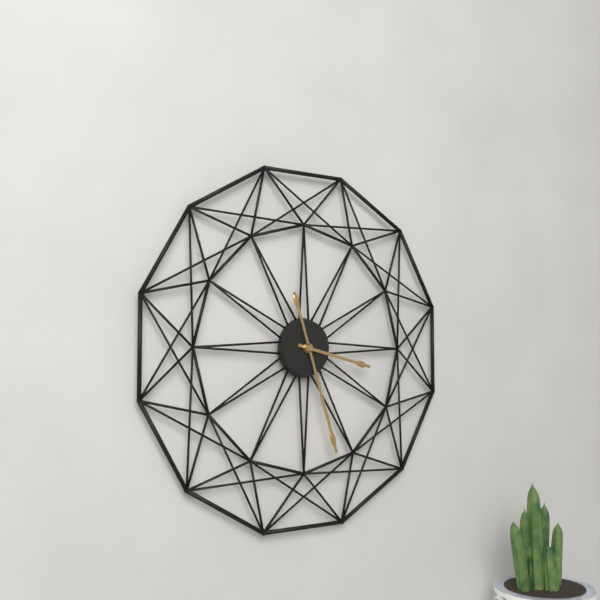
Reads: h=3 m=27
